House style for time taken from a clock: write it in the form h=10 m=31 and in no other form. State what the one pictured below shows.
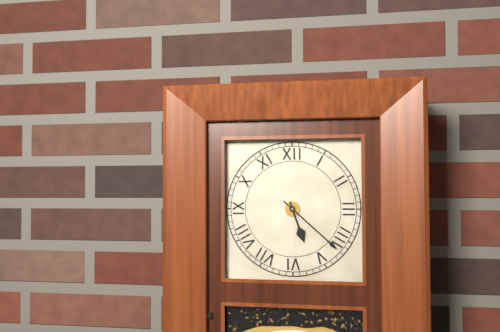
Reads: h=5 m=22
